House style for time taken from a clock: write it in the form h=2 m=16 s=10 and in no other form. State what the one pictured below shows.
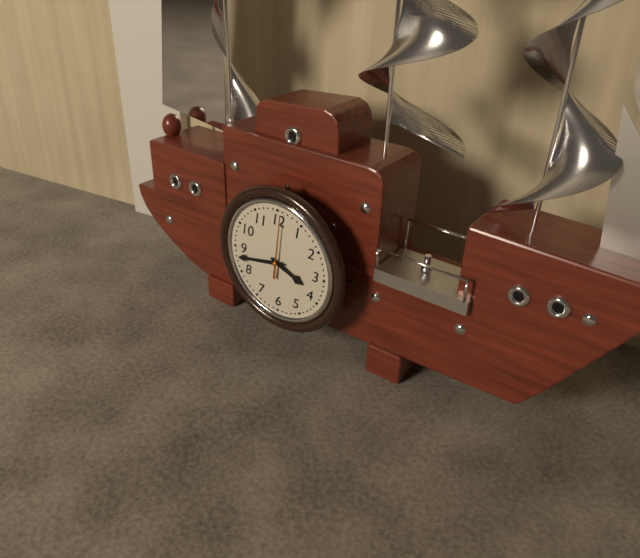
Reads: h=3 m=43 s=1
